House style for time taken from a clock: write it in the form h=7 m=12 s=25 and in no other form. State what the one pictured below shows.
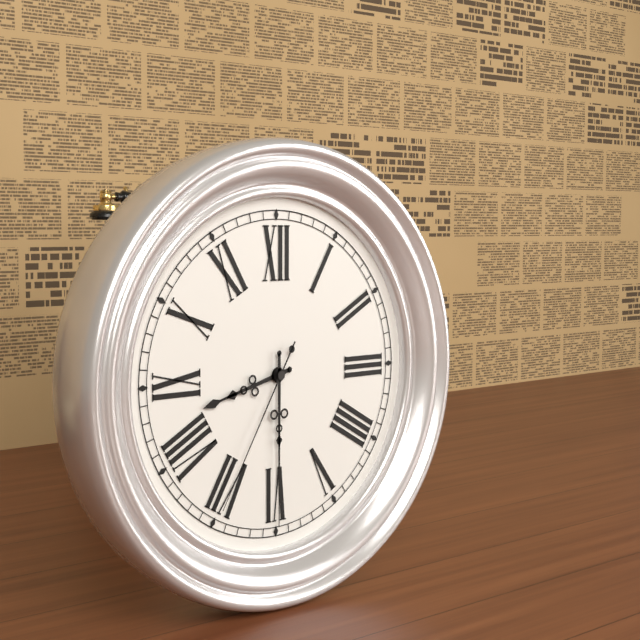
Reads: h=8 m=30 s=35
